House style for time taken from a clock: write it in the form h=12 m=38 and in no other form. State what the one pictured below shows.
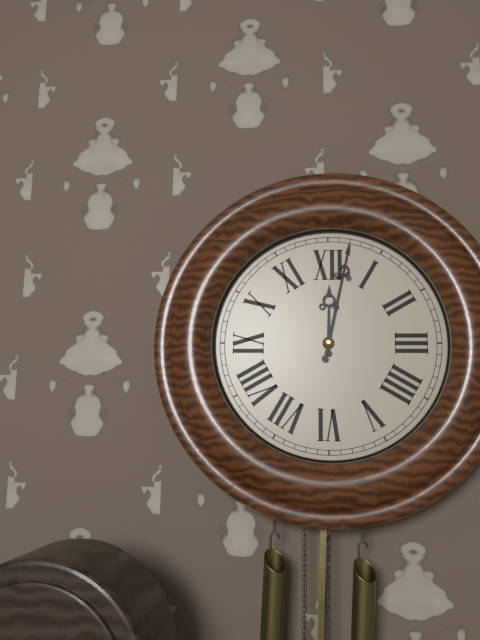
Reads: h=12 m=2
